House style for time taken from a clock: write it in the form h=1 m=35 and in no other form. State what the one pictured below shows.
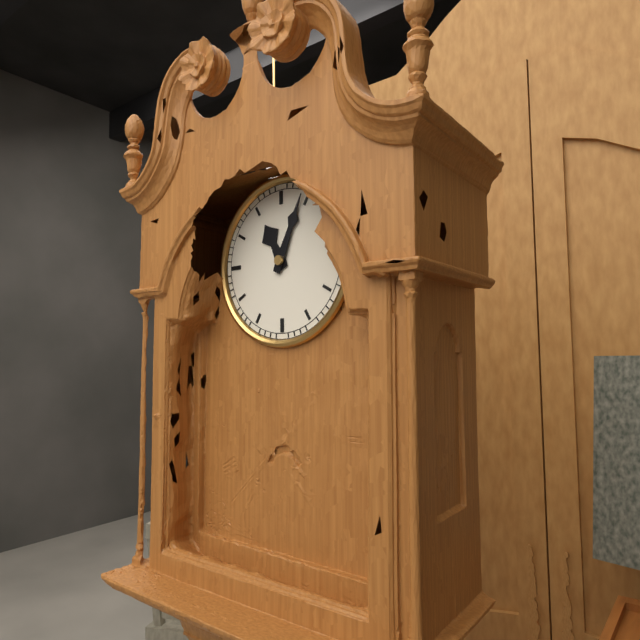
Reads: h=11 m=4
